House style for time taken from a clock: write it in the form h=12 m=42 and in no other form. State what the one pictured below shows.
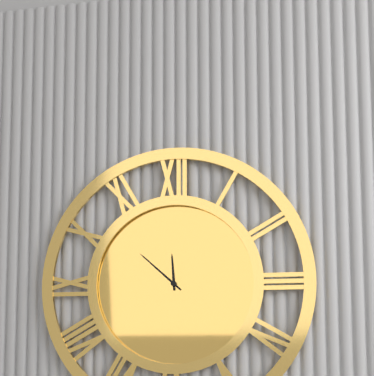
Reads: h=11 m=52
